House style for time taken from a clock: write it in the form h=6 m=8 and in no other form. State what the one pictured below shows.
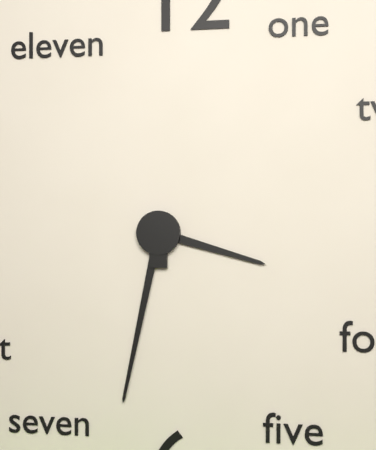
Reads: h=3 m=32
